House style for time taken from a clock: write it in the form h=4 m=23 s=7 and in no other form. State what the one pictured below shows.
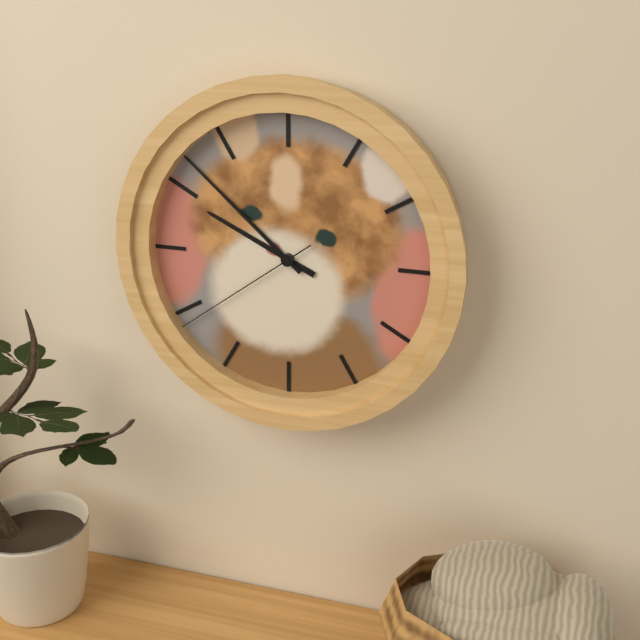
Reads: h=9 m=52 s=39
